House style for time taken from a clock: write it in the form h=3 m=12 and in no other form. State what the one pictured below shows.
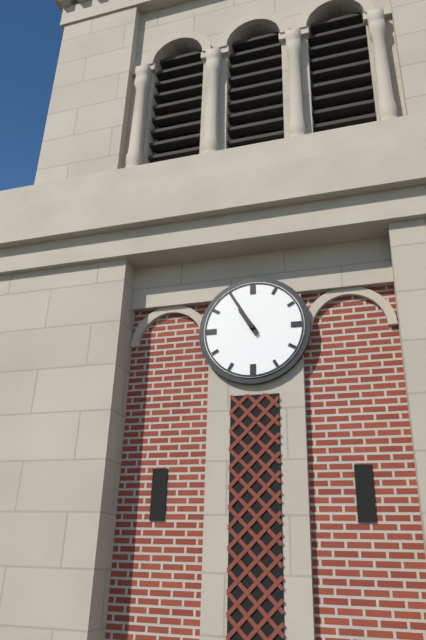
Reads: h=10 m=55
